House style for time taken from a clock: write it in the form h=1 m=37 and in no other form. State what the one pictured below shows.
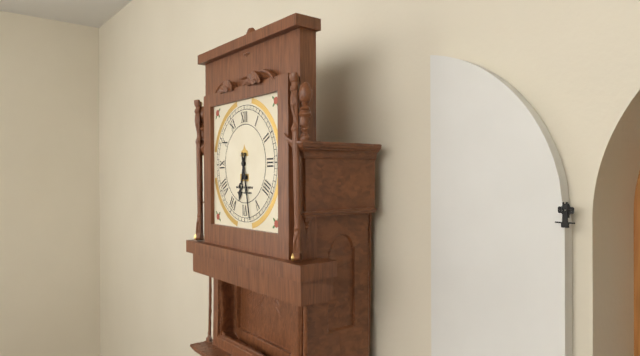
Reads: h=6 m=28
